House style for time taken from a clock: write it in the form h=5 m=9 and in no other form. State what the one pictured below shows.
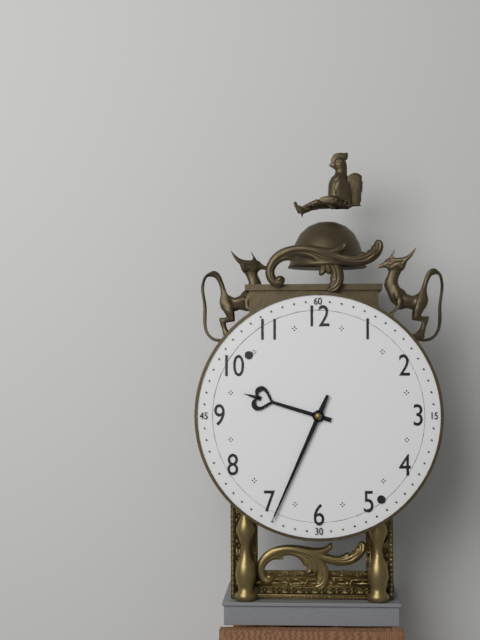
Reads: h=9 m=34
